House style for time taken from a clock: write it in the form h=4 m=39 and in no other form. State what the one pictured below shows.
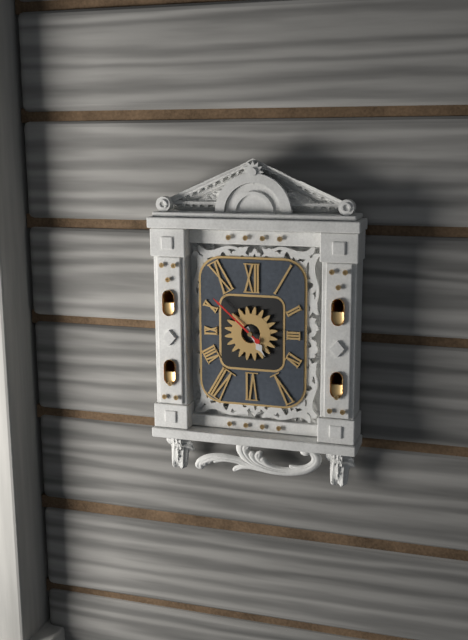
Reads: h=4 m=52
